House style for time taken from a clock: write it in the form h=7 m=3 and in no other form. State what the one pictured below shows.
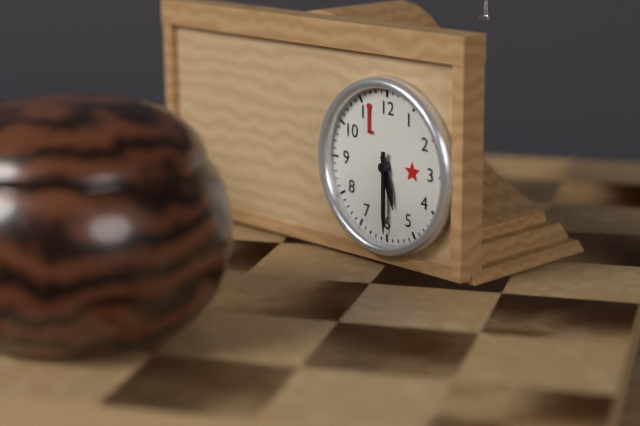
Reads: h=5 m=30
